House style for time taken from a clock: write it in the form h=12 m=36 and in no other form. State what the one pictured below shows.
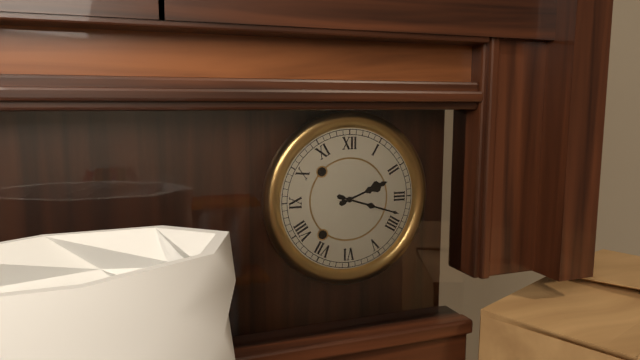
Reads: h=2 m=18
